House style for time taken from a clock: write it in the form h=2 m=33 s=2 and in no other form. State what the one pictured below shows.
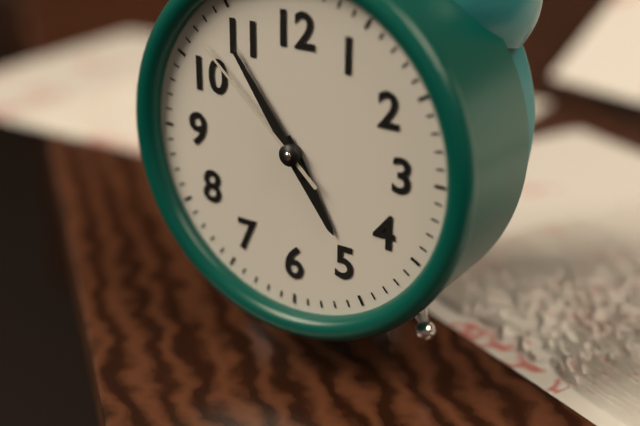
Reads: h=4 m=54 s=52
